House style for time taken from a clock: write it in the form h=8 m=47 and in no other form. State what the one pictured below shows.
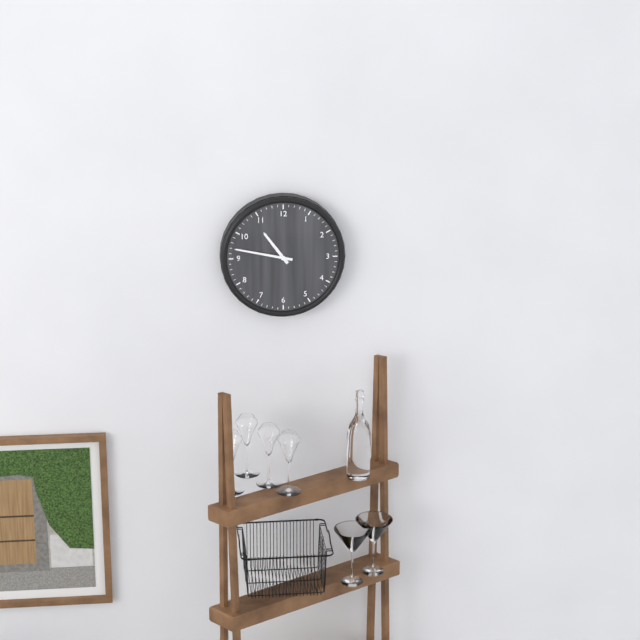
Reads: h=10 m=47
